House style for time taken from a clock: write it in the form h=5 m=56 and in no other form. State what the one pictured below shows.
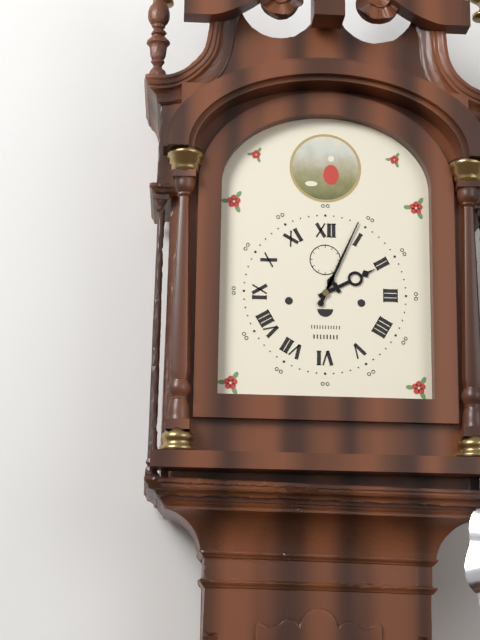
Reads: h=2 m=4
